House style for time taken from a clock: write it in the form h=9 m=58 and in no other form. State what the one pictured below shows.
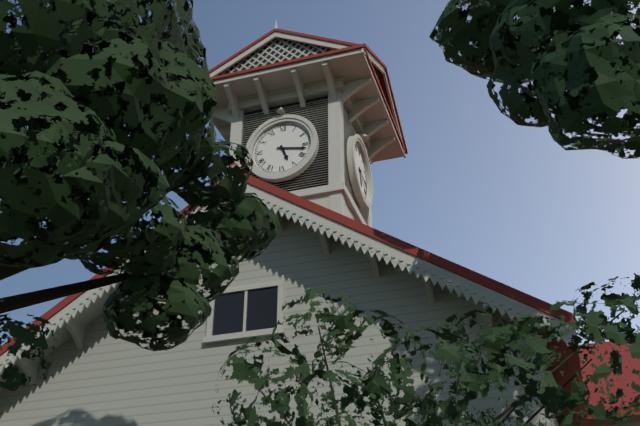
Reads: h=5 m=17
